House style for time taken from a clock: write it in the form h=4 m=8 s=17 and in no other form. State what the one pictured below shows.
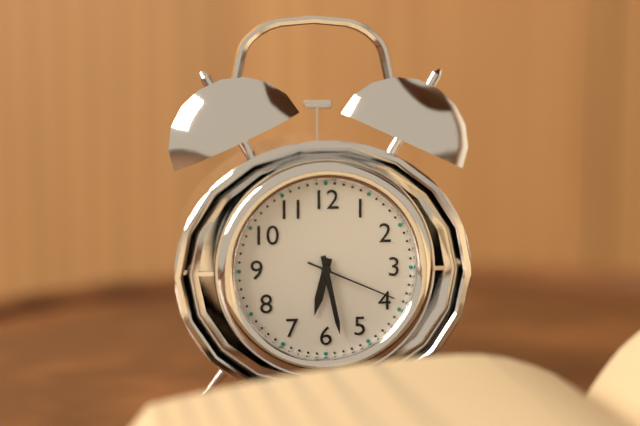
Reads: h=6 m=28 s=19
